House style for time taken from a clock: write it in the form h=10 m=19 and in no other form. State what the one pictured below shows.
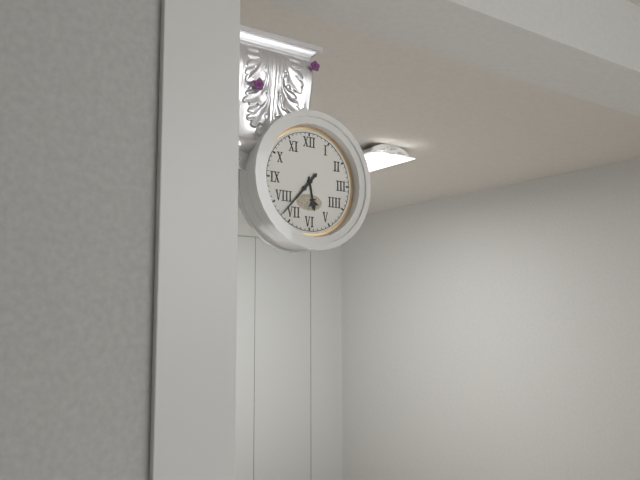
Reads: h=5 m=37
